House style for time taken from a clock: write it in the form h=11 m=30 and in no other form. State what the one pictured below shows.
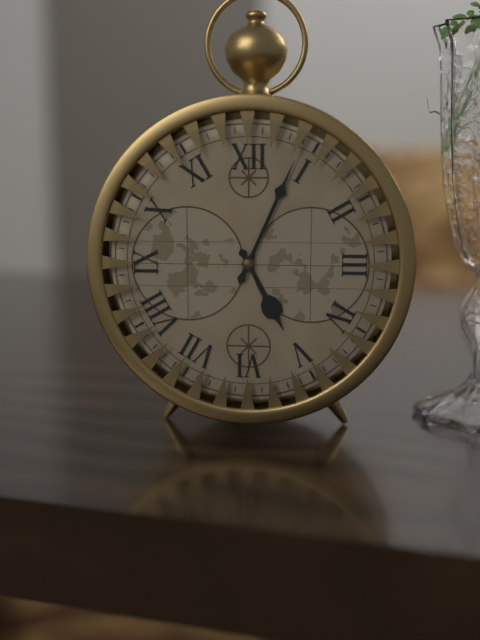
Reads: h=5 m=4
